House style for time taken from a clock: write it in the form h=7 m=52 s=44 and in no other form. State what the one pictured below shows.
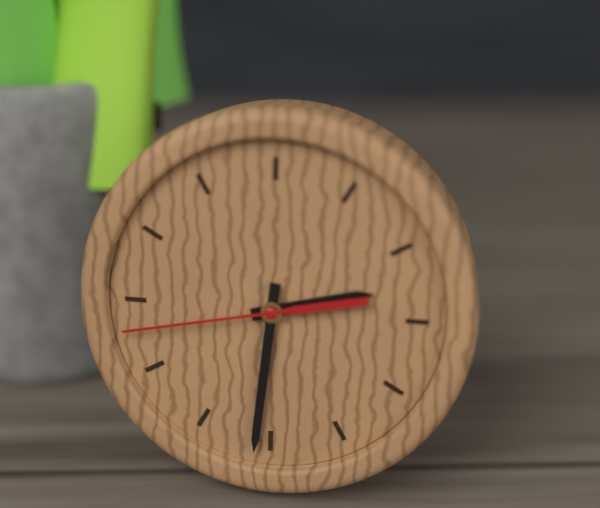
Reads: h=2 m=31 s=43
